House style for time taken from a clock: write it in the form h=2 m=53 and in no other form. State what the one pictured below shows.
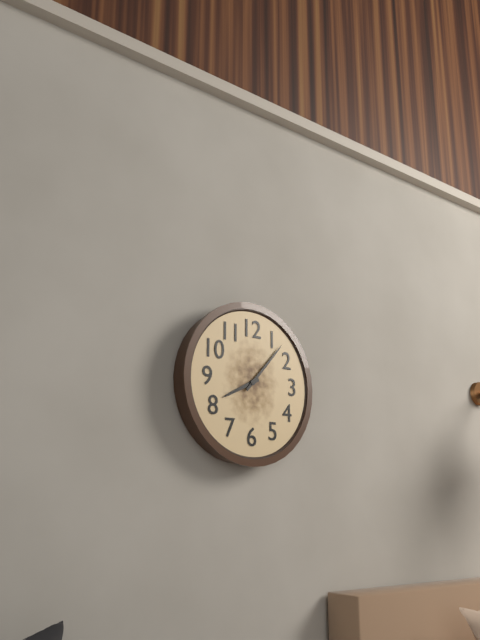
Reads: h=8 m=7
